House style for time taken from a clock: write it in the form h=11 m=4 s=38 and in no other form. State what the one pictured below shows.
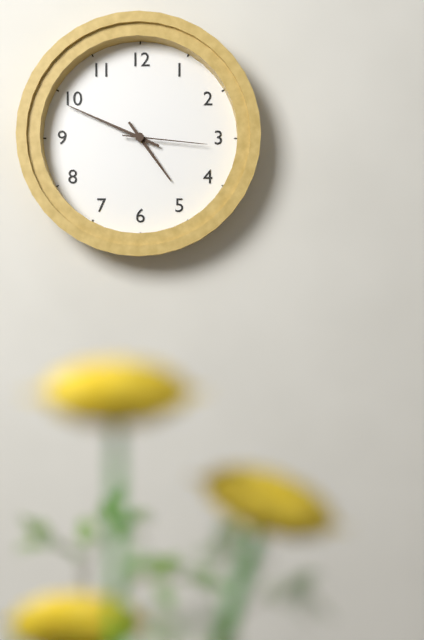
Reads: h=4 m=49 s=16
